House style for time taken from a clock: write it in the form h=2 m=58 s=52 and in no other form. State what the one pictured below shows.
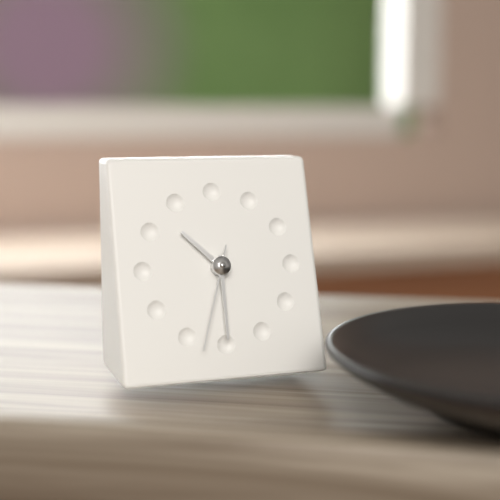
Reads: h=10 m=30 s=33
